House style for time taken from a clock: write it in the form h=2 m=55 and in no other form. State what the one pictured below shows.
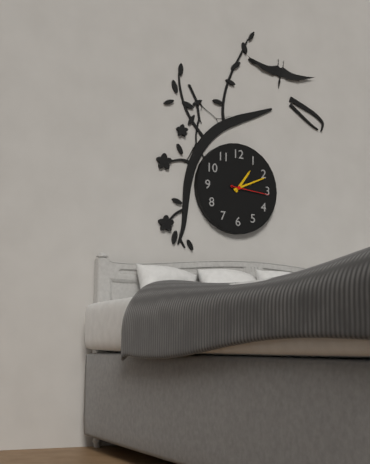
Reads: h=1 m=11
